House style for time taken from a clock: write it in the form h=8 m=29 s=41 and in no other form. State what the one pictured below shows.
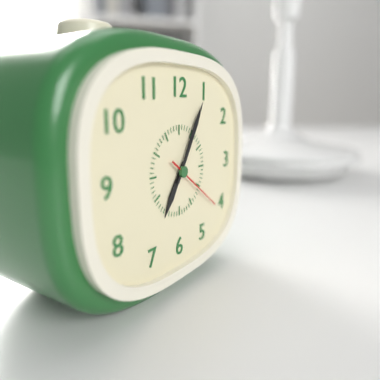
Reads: h=7 m=5 s=21
